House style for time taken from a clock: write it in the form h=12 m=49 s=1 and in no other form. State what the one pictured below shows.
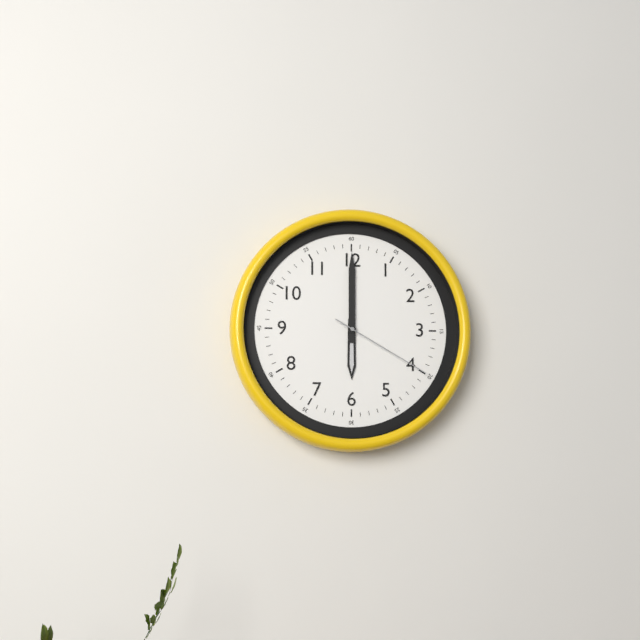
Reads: h=6 m=0 s=20
